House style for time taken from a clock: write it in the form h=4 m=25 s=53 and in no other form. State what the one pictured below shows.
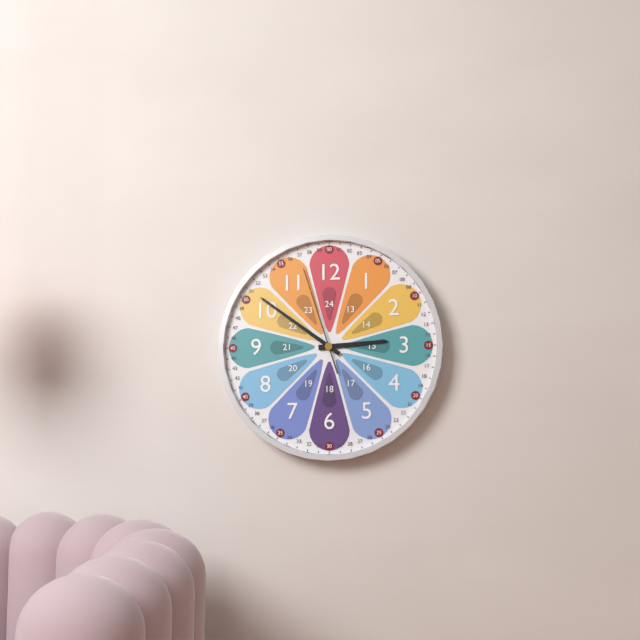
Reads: h=2 m=51 s=57
